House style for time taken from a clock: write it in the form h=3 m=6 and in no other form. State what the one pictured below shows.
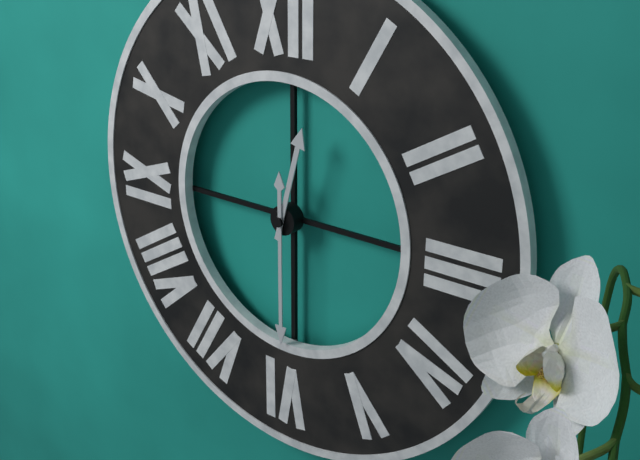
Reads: h=12 m=30
